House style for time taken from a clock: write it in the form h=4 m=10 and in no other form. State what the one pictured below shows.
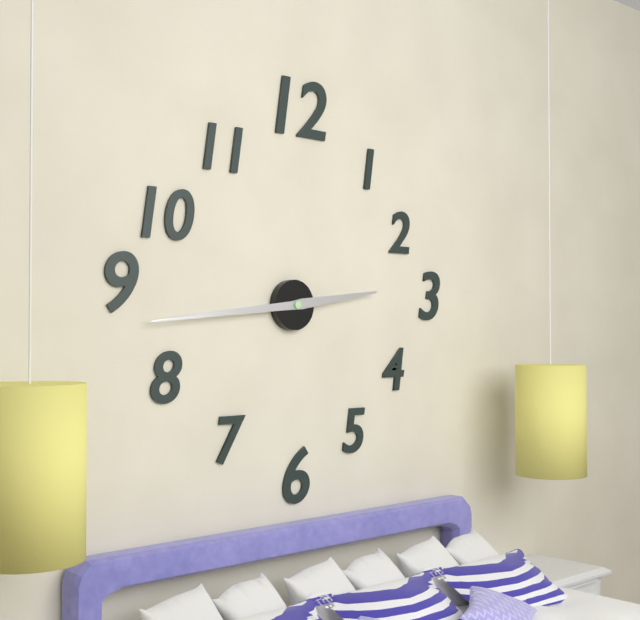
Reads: h=2 m=44
